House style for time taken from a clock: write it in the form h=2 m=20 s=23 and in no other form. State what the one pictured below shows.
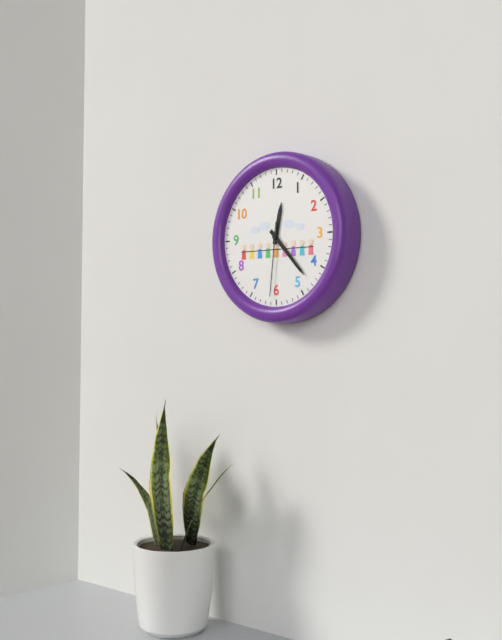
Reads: h=12 m=23 s=31
